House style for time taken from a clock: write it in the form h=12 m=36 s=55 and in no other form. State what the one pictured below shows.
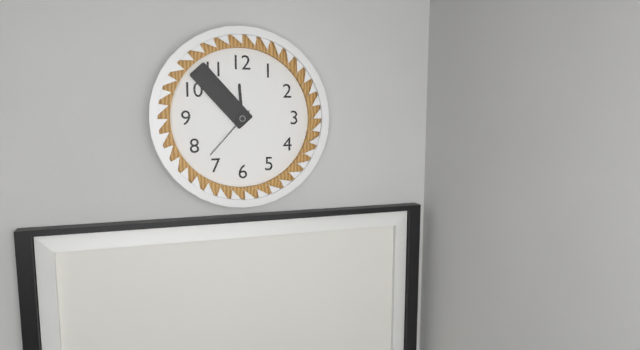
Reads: h=11 m=53 s=37
